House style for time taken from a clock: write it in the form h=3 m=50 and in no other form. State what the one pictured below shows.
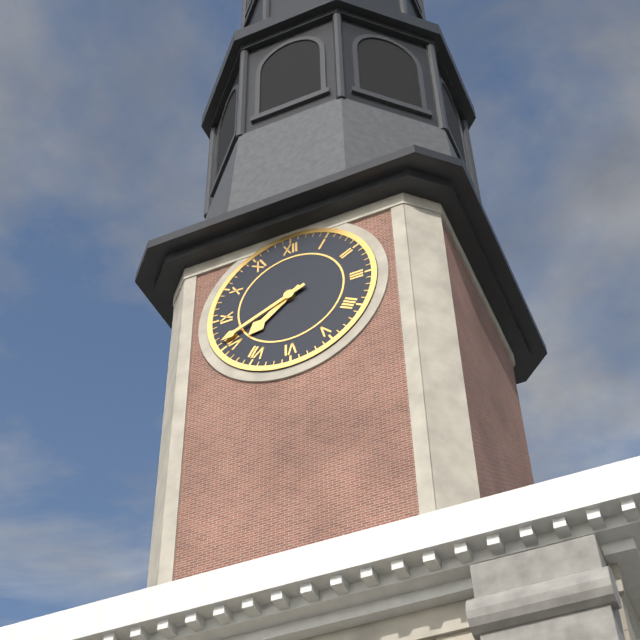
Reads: h=7 m=41
